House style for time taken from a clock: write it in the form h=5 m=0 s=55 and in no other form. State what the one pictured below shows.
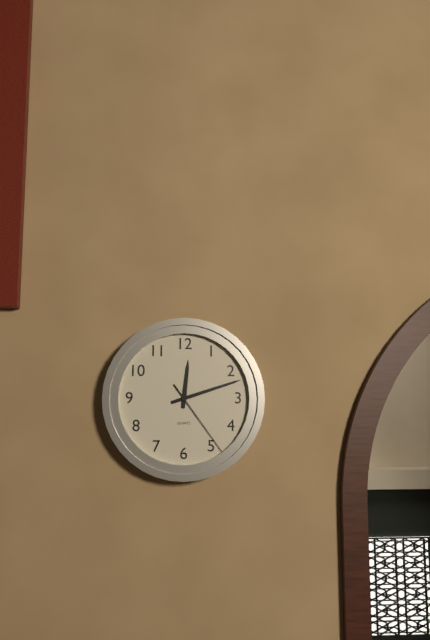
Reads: h=12 m=12 s=24
